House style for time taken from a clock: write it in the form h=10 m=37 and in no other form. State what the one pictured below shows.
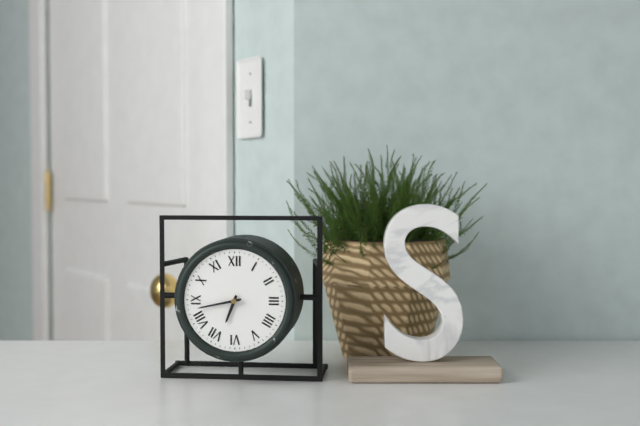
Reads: h=6 m=43
